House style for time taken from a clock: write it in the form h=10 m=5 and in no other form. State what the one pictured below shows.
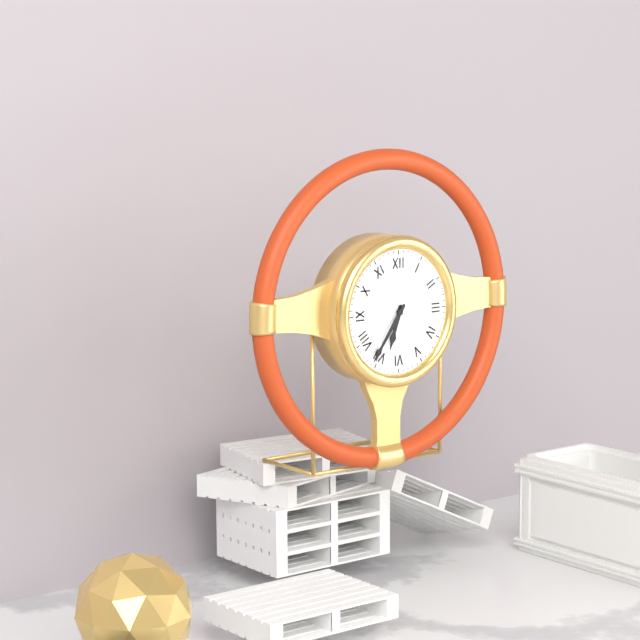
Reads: h=6 m=36
